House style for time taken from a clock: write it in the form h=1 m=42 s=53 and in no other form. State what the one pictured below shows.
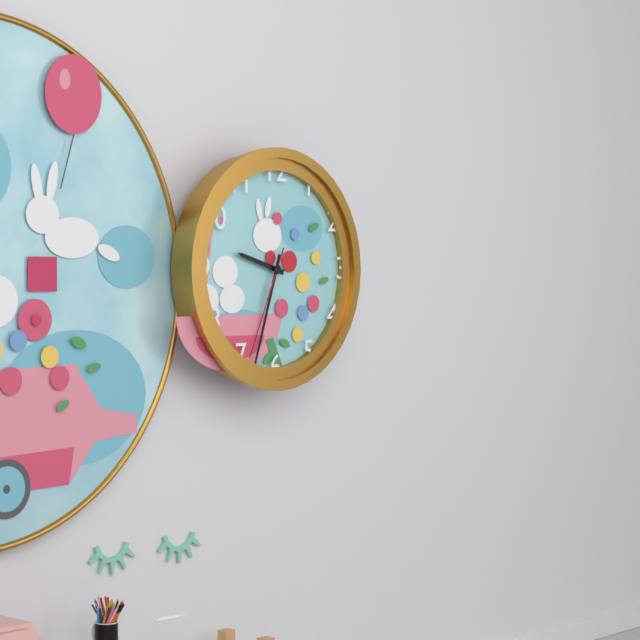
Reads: h=9 m=33 s=34
